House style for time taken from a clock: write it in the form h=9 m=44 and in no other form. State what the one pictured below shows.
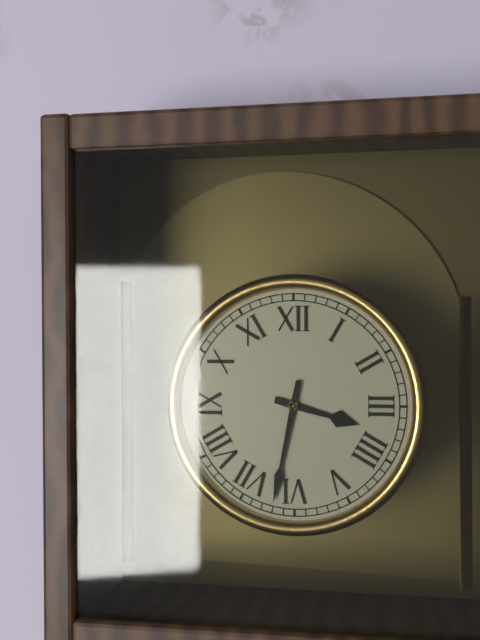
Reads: h=3 m=32
